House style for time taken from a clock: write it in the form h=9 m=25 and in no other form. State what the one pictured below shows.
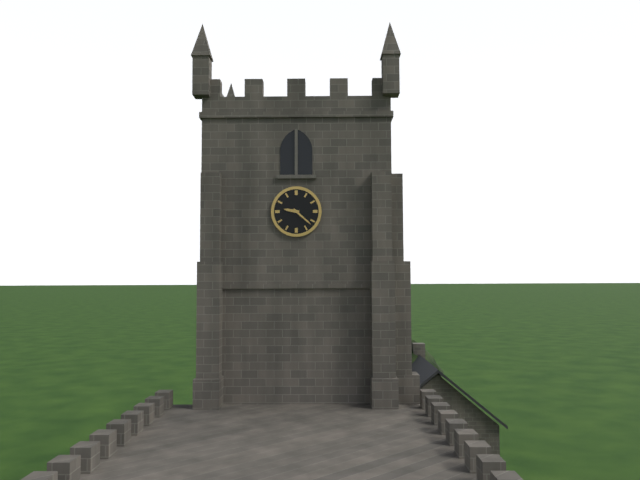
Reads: h=9 m=22
